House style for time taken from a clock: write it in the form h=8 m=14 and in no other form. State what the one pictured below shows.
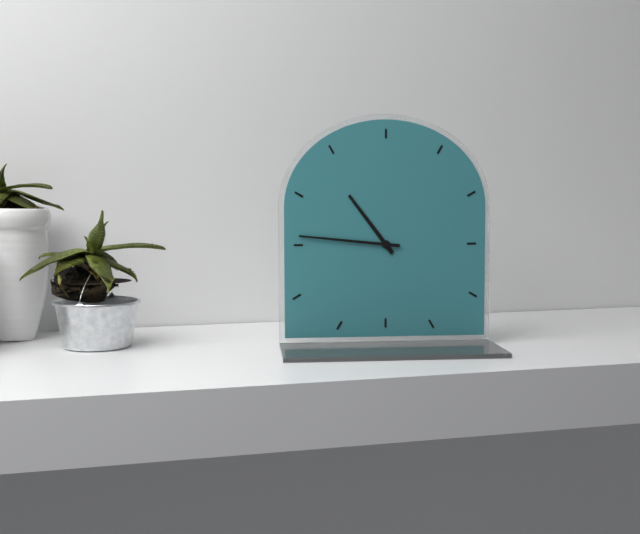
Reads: h=10 m=46
